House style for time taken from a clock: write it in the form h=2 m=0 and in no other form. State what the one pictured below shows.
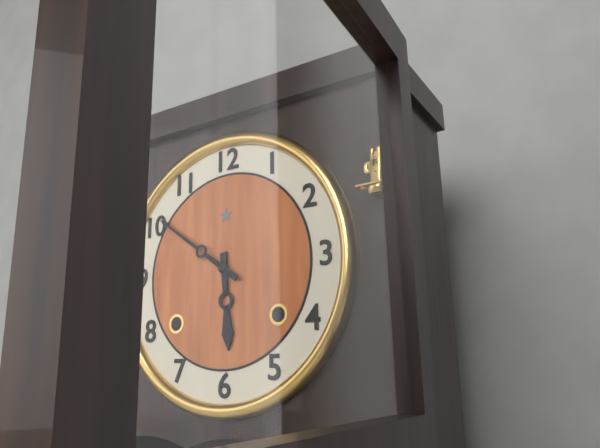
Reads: h=5 m=51
